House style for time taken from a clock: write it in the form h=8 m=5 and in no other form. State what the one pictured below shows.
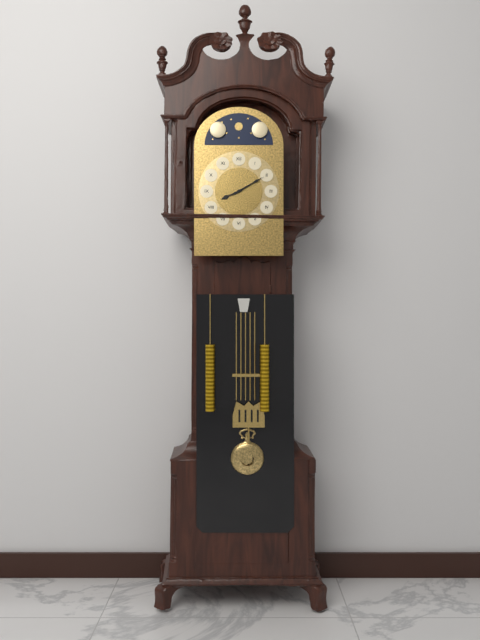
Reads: h=8 m=10
